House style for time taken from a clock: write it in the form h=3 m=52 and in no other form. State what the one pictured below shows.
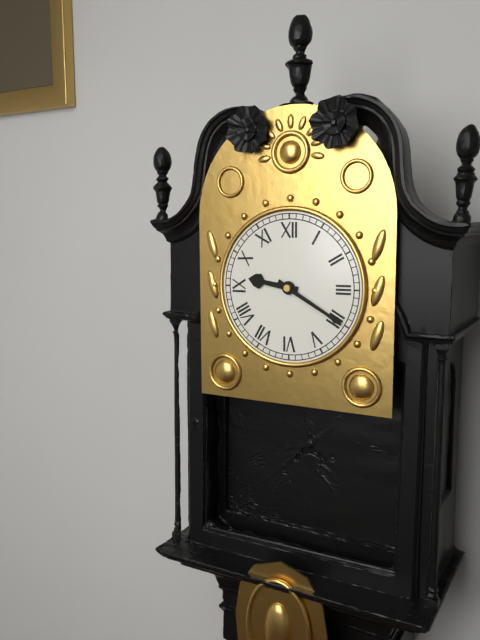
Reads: h=9 m=20
